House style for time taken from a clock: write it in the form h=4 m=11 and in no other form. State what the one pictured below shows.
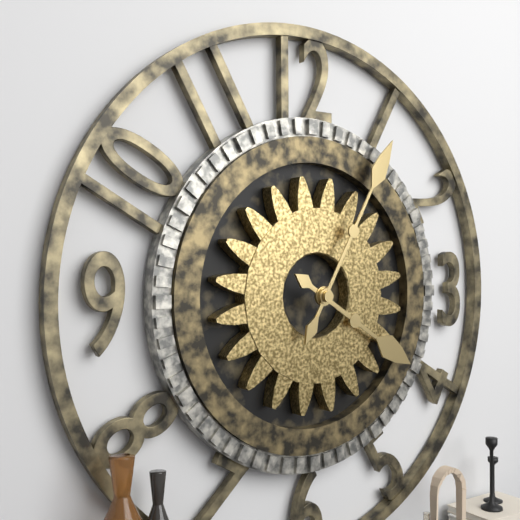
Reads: h=4 m=5
